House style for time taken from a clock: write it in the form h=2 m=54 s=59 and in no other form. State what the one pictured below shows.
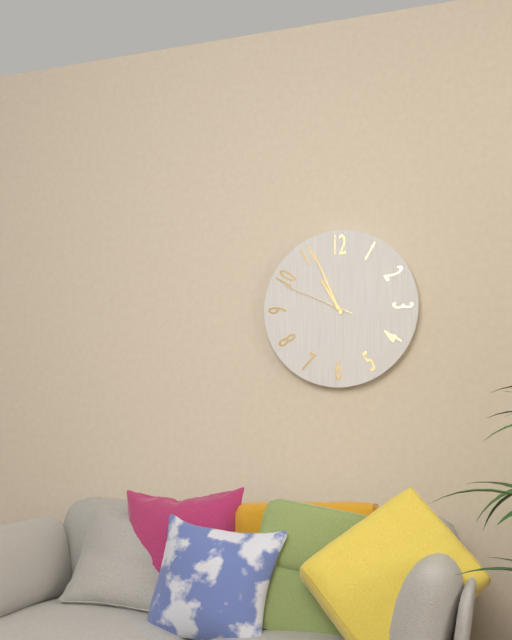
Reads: h=10 m=56 s=49
